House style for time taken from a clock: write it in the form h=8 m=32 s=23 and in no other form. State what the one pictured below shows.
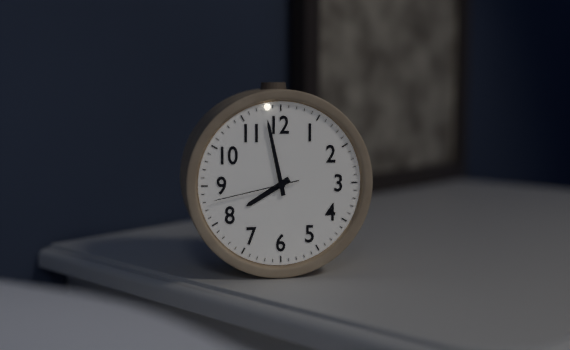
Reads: h=7 m=58 s=43
